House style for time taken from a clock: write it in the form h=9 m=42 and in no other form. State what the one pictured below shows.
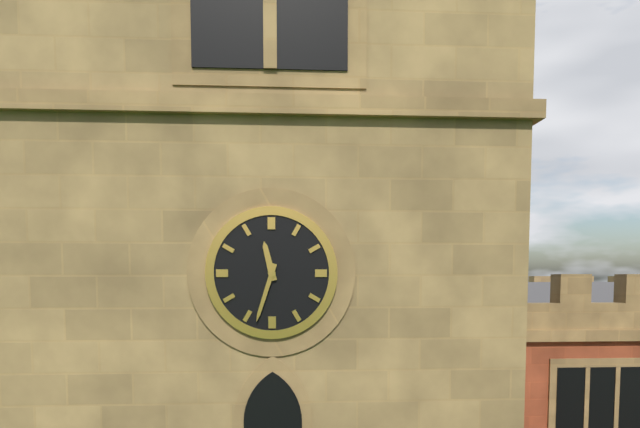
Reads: h=11 m=33
